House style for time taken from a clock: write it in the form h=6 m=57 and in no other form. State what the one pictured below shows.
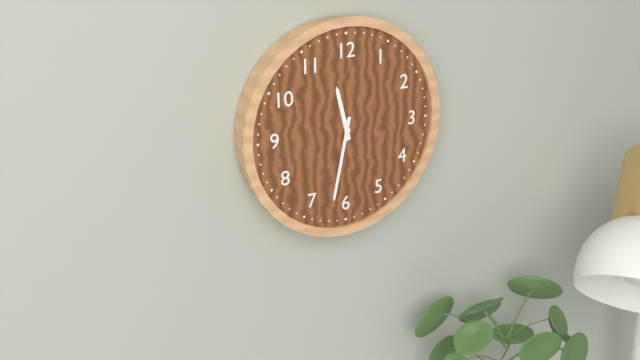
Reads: h=11 m=32
